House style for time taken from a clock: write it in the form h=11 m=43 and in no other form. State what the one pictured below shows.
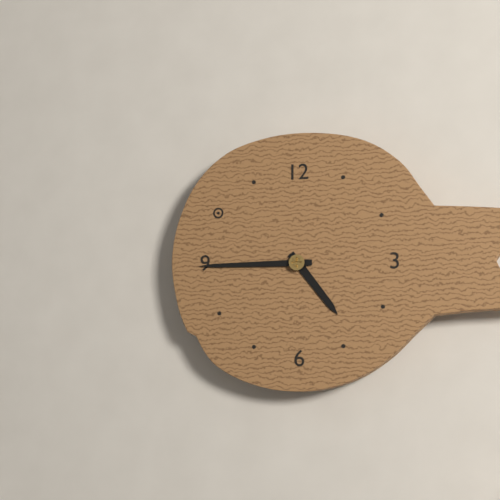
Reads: h=4 m=45
